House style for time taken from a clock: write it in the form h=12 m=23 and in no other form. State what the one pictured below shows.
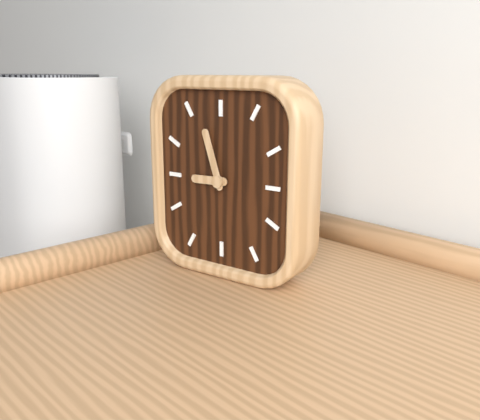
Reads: h=8 m=57
